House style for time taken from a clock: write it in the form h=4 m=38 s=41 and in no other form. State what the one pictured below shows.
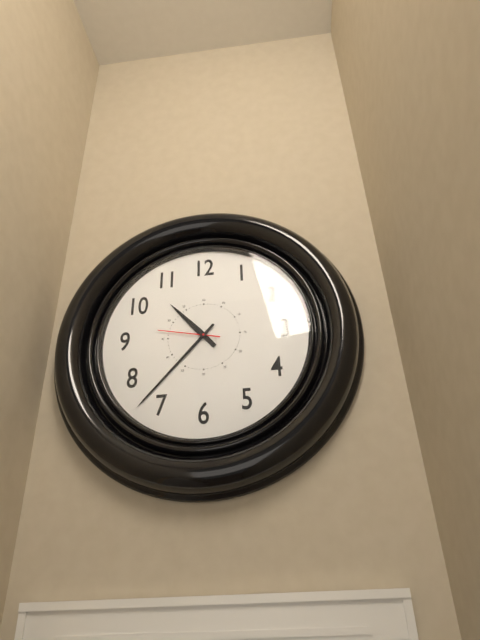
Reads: h=10 m=37 s=47
